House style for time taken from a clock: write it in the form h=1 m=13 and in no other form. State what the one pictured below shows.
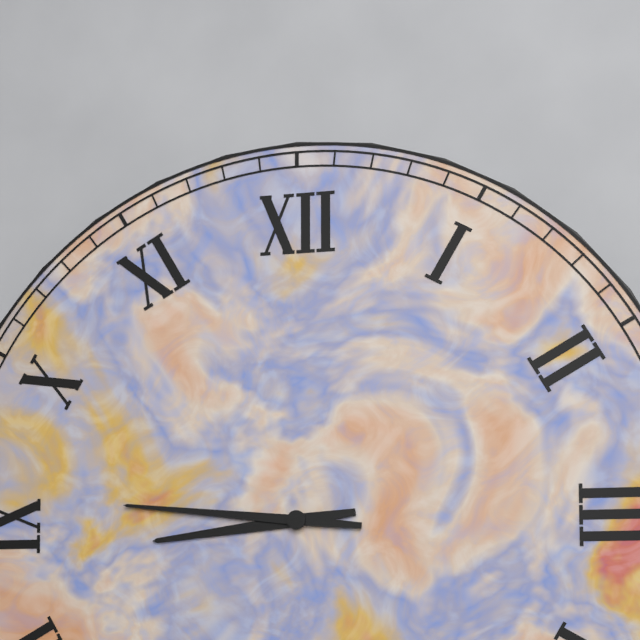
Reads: h=8 m=46
